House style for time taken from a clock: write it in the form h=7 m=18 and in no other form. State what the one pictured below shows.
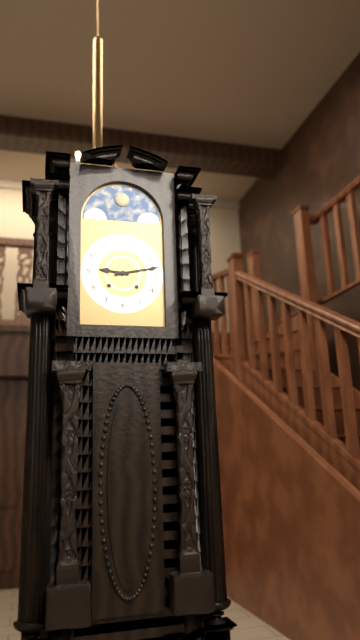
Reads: h=9 m=13
